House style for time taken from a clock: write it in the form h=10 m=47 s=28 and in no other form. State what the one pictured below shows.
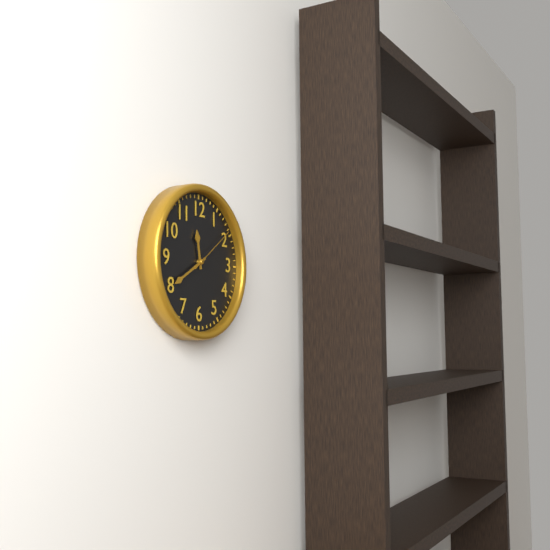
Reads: h=11 m=40 s=9
